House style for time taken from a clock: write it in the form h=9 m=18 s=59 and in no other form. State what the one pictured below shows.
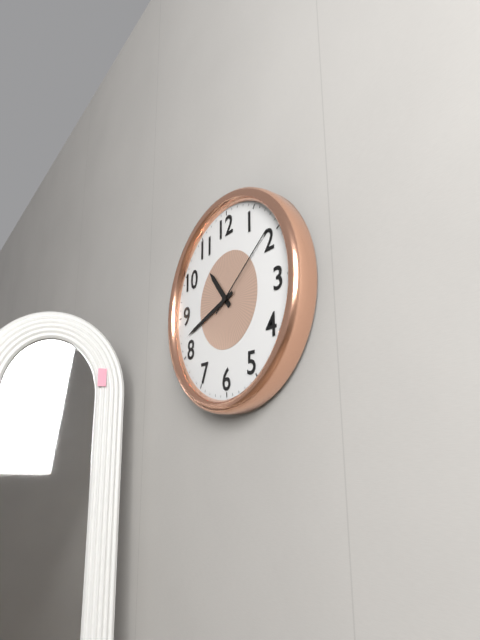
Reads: h=10 m=42 s=9
